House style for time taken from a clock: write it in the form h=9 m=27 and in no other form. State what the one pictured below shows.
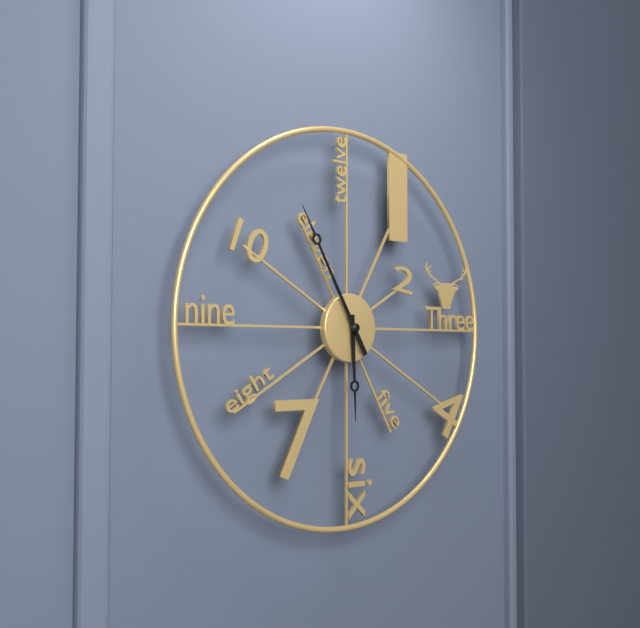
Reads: h=5 m=55
